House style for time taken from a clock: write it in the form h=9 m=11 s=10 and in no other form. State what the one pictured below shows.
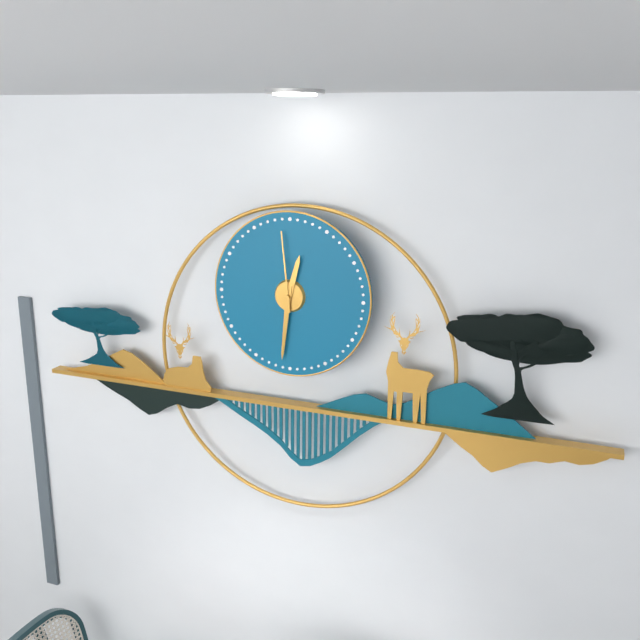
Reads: h=12 m=31 s=59
